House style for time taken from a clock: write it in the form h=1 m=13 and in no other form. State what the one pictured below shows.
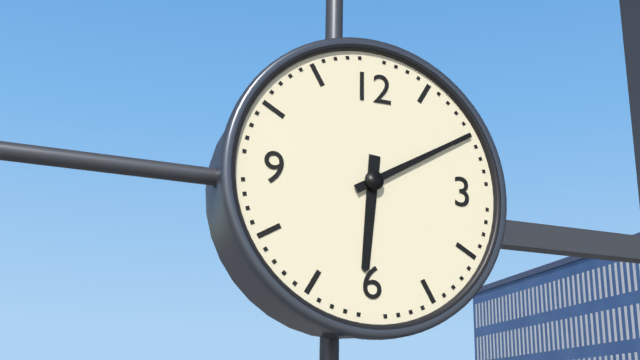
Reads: h=6 m=10
